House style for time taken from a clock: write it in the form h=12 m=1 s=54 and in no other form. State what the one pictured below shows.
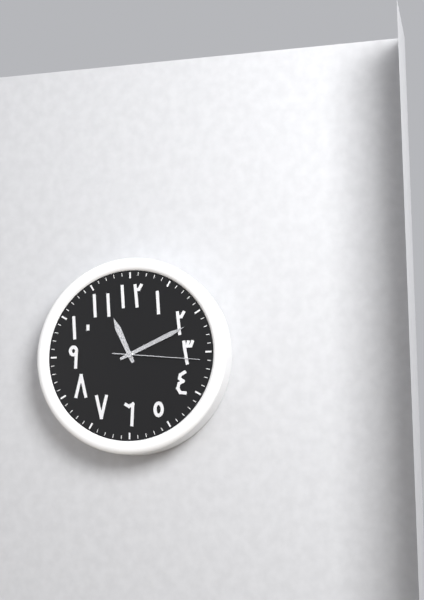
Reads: h=11 m=11 s=16
